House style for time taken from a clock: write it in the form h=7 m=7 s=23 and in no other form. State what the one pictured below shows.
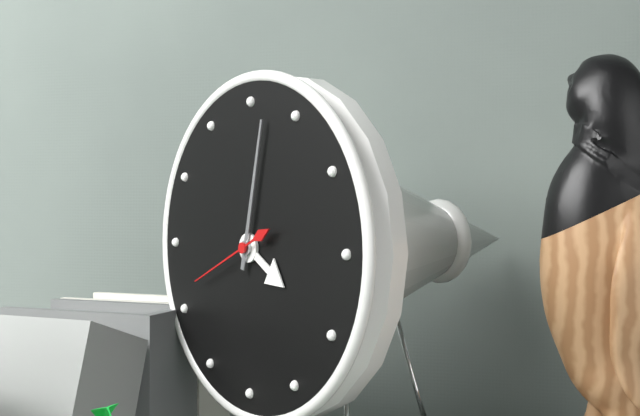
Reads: h=4 m=2 s=41
